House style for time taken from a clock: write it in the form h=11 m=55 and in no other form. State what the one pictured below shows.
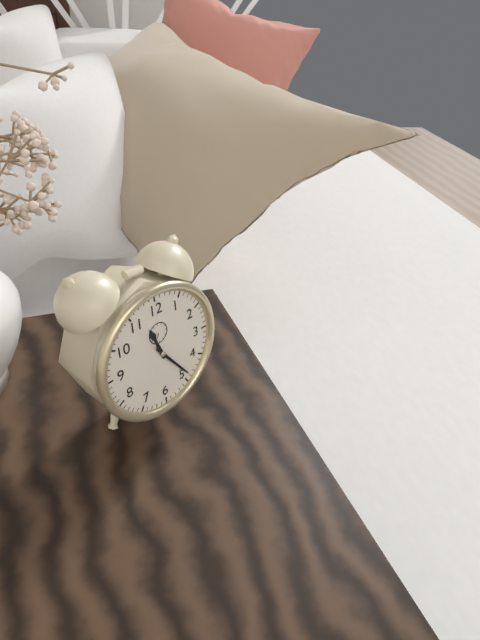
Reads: h=11 m=24
